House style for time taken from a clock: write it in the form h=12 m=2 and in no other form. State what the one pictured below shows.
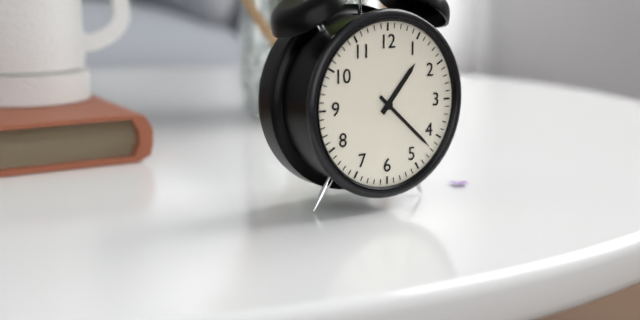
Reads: h=1 m=22
